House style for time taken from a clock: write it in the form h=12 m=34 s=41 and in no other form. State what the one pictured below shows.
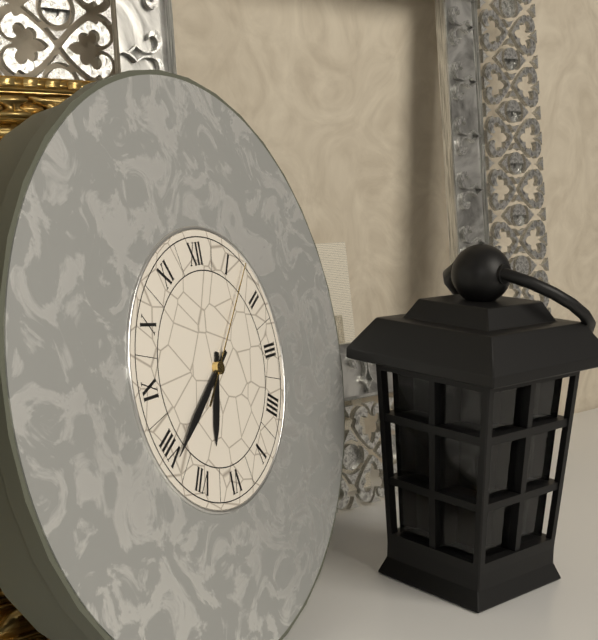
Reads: h=6 m=39 s=7
